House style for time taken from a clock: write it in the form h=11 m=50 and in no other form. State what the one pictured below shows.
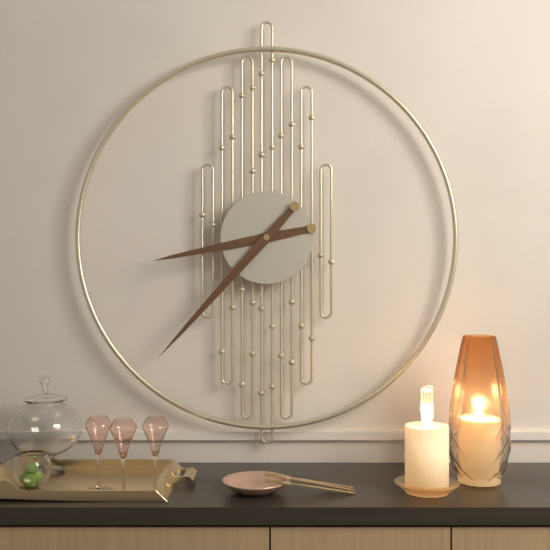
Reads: h=8 m=37
